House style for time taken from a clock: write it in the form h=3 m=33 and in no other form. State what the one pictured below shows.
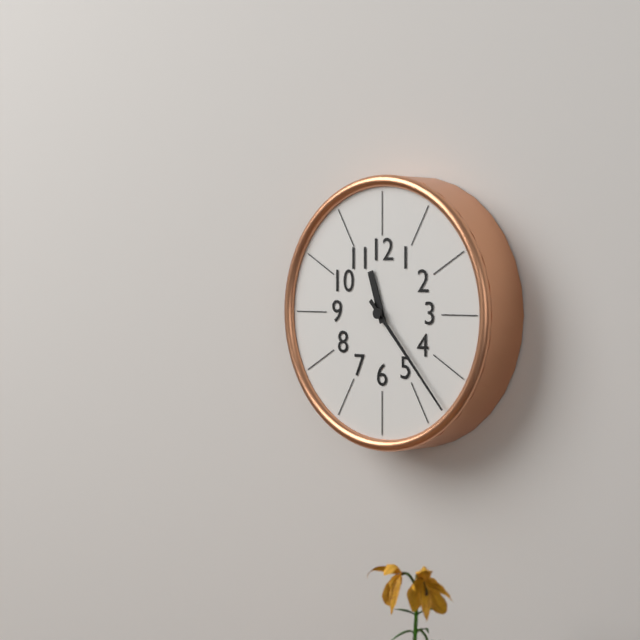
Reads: h=11 m=23
